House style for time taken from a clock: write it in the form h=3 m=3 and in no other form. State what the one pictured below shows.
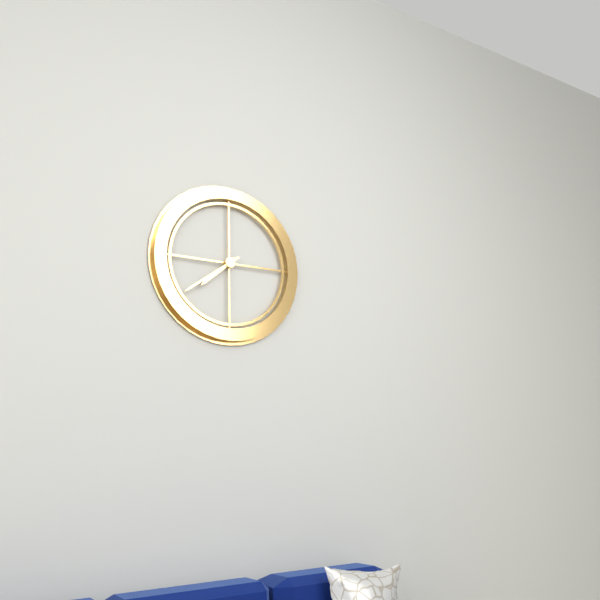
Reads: h=7 m=39
